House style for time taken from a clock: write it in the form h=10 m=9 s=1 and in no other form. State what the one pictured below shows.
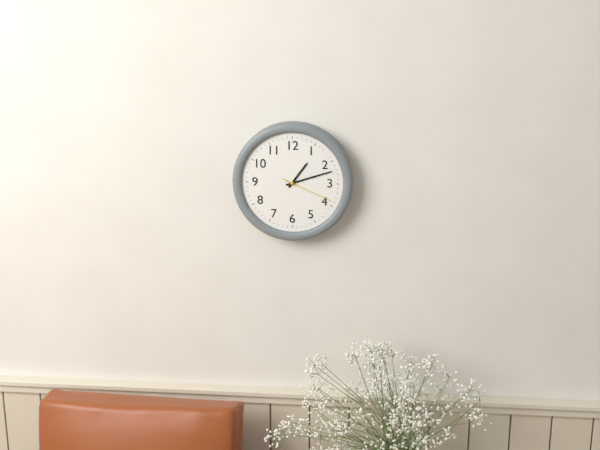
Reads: h=1 m=12 s=19
